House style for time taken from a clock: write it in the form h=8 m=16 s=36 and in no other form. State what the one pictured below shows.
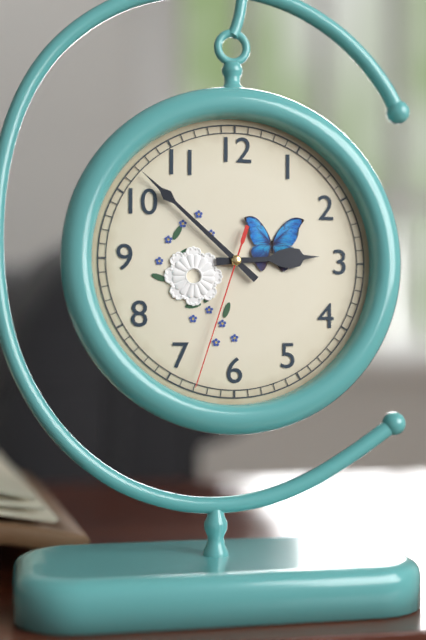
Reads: h=2 m=52 s=33
